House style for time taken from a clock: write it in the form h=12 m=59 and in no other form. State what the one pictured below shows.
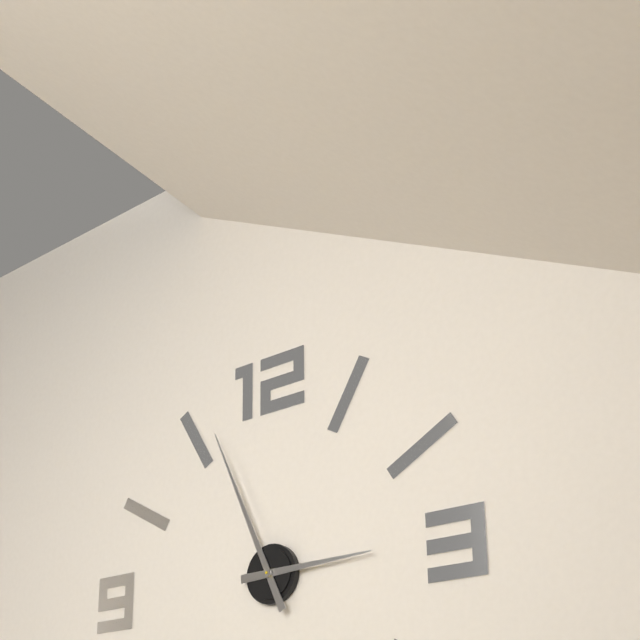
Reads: h=2 m=56
